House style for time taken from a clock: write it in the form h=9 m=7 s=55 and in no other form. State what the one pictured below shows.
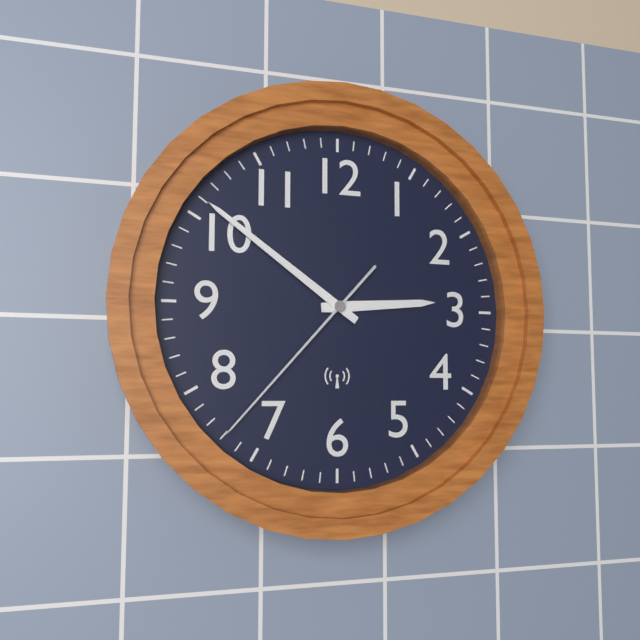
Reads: h=2 m=51 s=37
